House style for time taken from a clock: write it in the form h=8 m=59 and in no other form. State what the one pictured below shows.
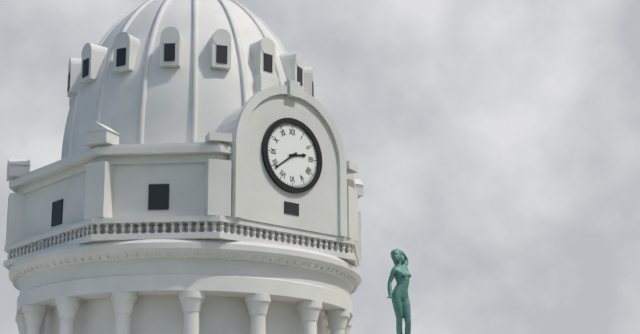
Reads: h=2 m=39
